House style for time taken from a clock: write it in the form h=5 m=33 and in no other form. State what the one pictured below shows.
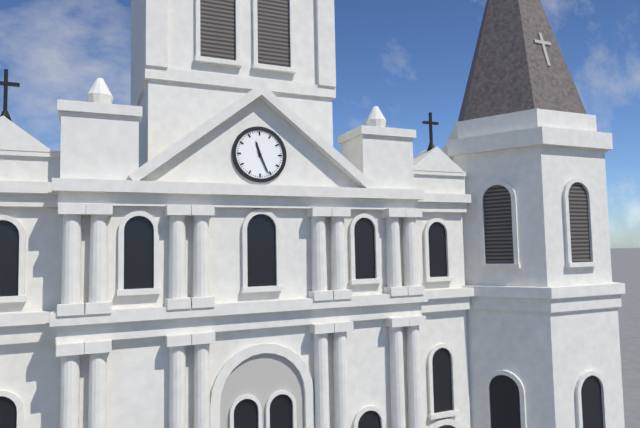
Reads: h=11 m=26
